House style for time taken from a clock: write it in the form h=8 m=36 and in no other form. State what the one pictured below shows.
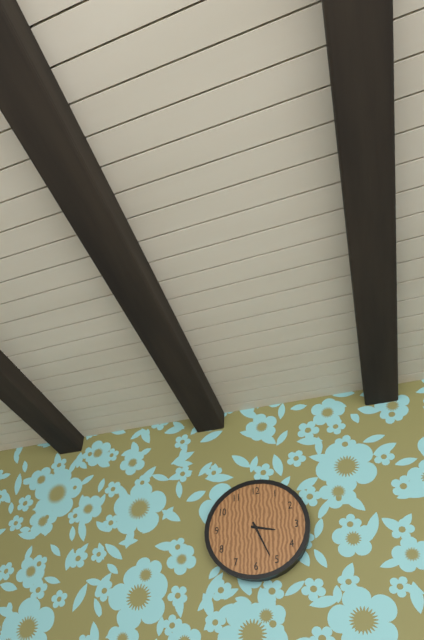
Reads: h=3 m=26
